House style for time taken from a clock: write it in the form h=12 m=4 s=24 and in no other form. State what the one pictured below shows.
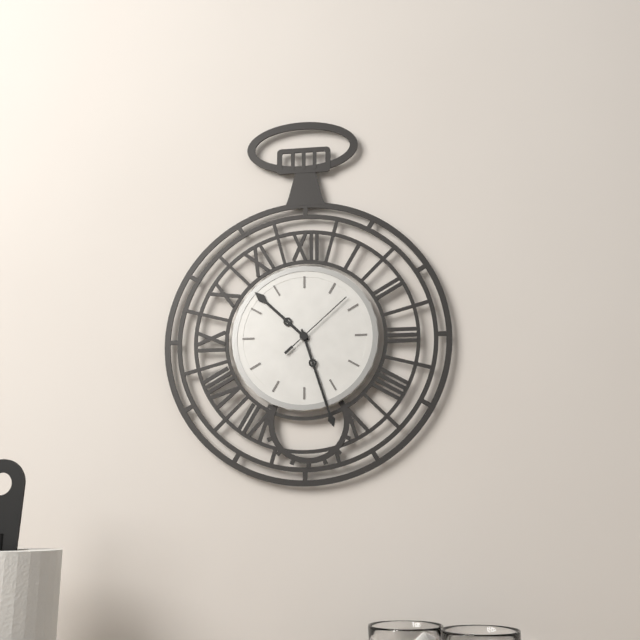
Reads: h=10 m=27 s=8
